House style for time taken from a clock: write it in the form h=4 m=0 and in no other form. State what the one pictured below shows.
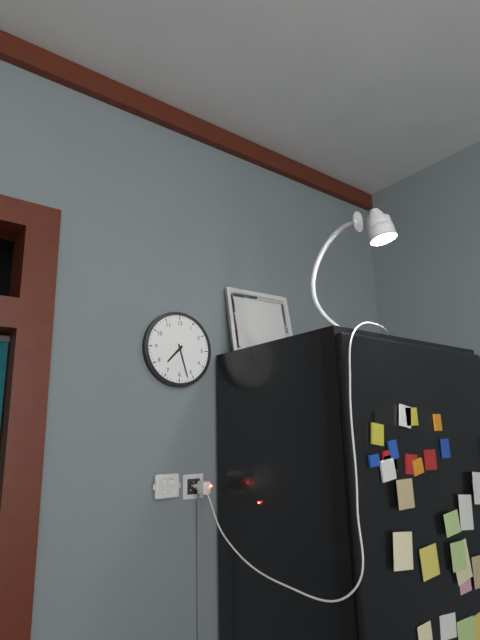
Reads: h=7 m=27
